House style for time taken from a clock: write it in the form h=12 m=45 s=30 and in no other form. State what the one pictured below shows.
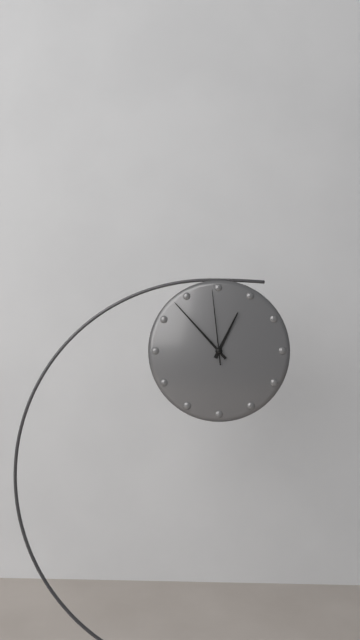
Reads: h=12 m=53 s=59
